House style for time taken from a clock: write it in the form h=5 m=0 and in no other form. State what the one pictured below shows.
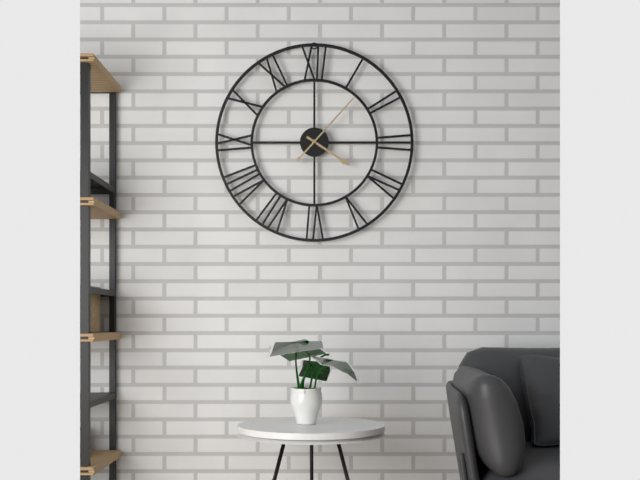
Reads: h=4 m=7
